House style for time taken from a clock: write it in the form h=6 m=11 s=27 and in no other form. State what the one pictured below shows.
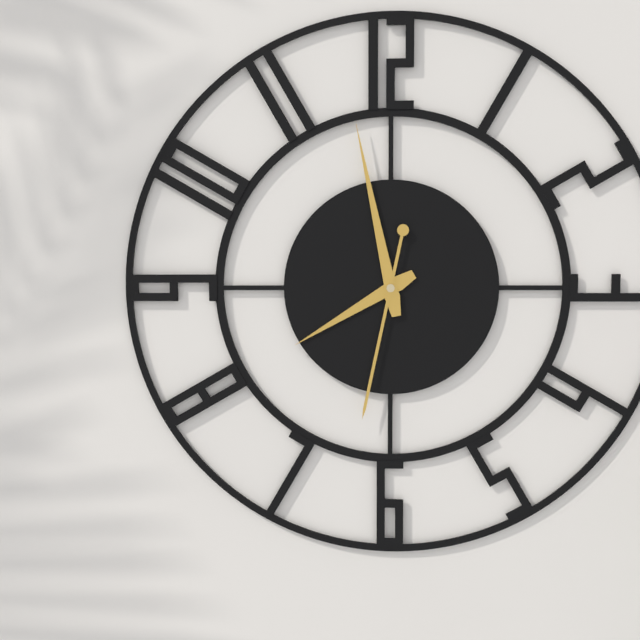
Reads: h=7 m=58 s=32
